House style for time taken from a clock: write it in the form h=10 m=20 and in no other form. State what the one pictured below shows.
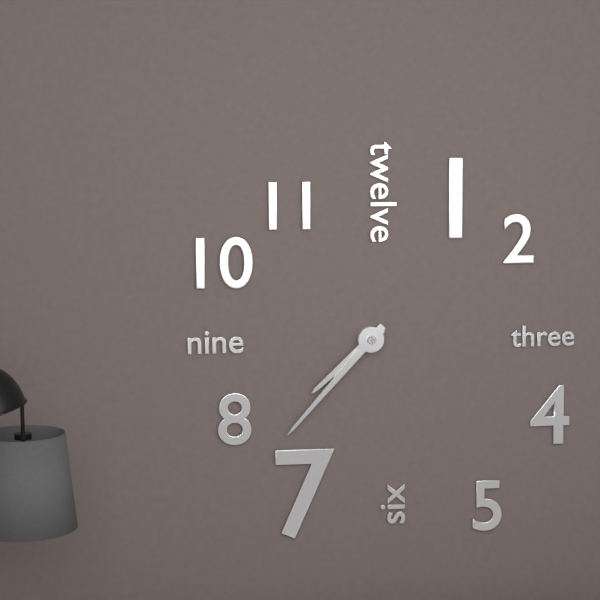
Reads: h=7 m=37
